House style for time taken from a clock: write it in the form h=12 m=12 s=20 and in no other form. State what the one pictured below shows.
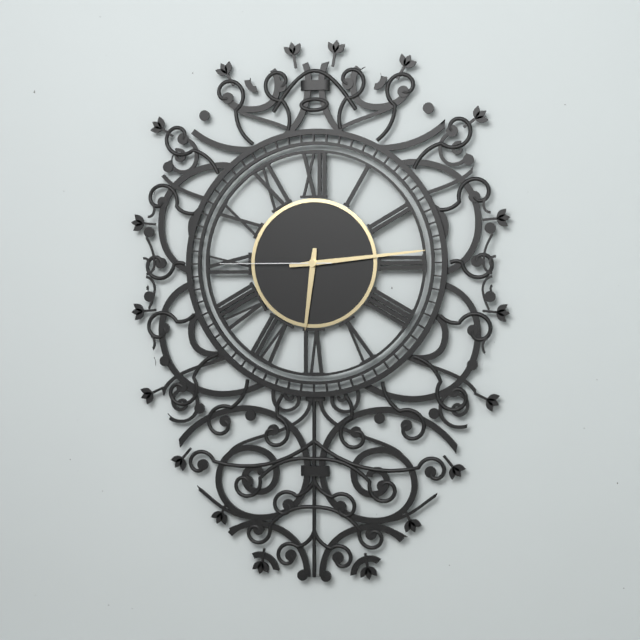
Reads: h=6 m=14 s=45
